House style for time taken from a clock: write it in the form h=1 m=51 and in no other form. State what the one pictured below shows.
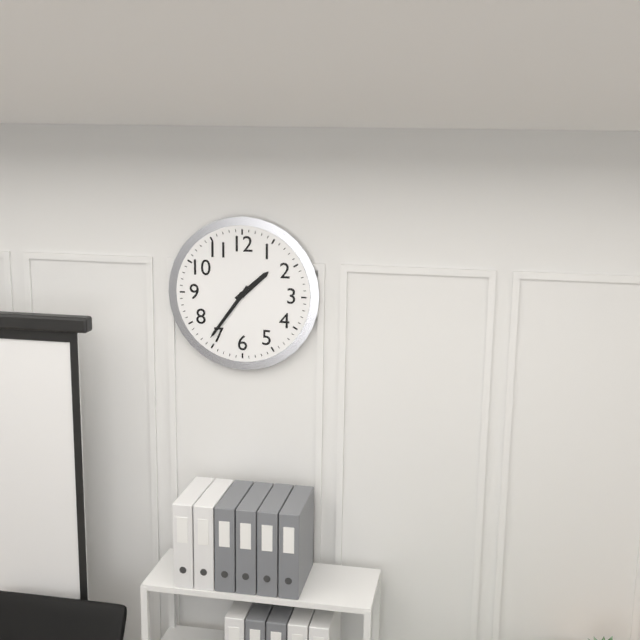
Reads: h=1 m=36
